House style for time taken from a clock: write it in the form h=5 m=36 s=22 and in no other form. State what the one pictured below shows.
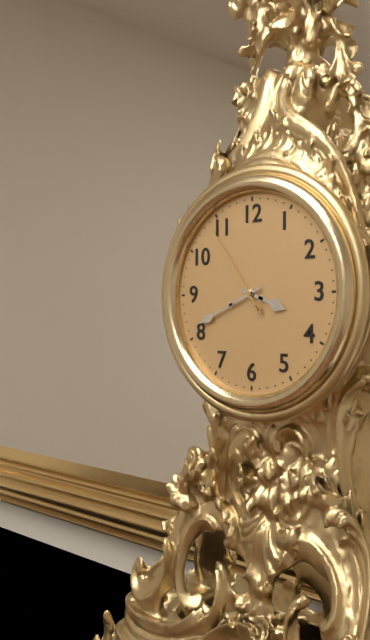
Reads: h=3 m=41 s=54
